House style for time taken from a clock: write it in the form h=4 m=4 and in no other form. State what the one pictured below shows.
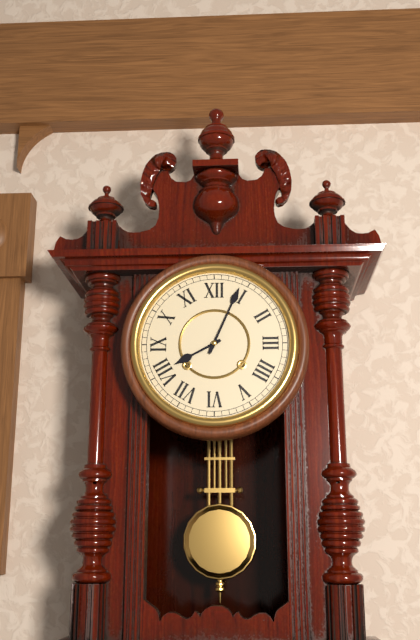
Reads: h=8 m=4
